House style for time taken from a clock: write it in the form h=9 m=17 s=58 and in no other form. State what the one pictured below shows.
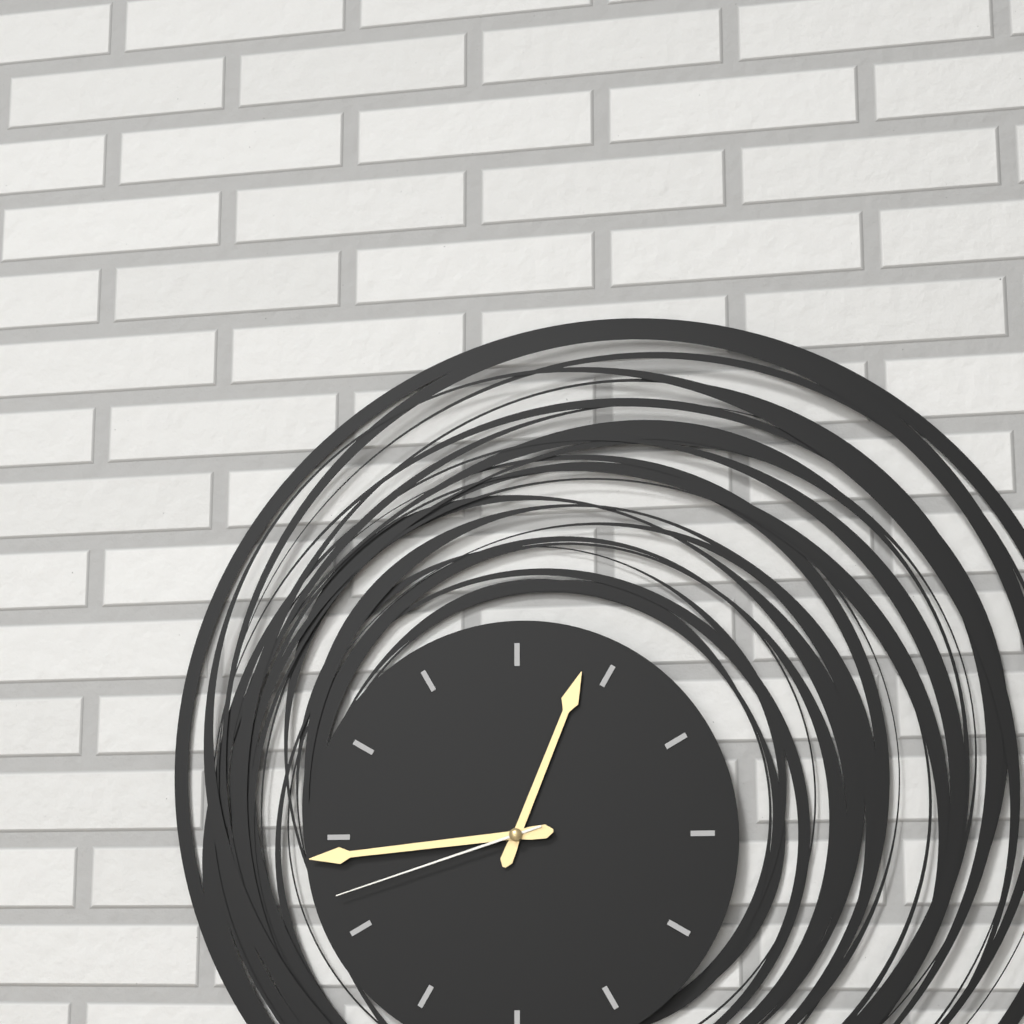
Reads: h=12 m=44 s=42
